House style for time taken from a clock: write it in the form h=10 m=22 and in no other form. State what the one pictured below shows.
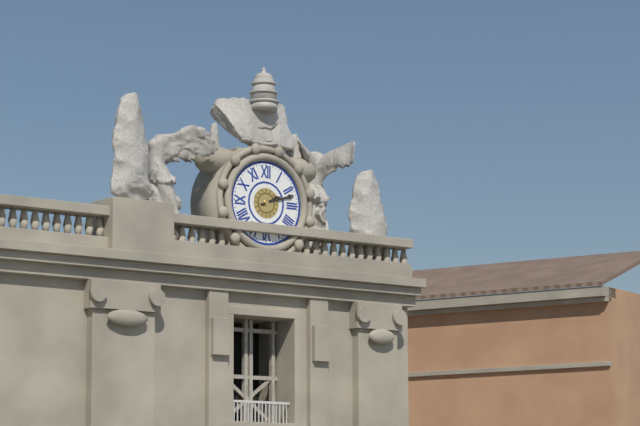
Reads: h=2 m=12
